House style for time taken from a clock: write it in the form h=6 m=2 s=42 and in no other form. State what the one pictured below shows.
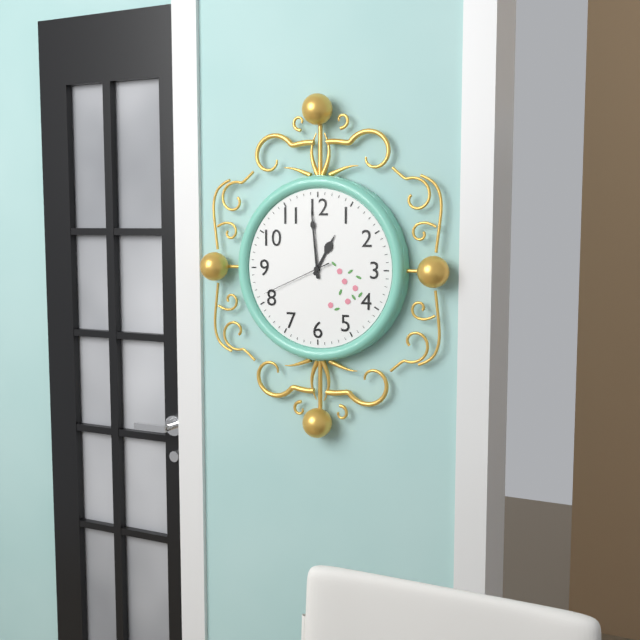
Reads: h=12 m=59 s=41
